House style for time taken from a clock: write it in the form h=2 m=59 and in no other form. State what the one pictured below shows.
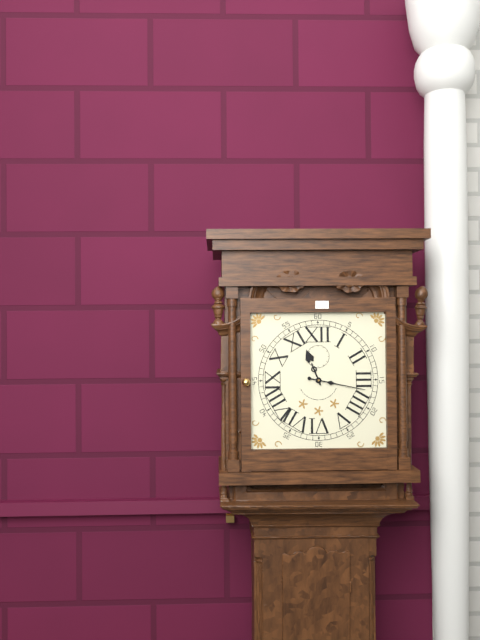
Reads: h=11 m=17
